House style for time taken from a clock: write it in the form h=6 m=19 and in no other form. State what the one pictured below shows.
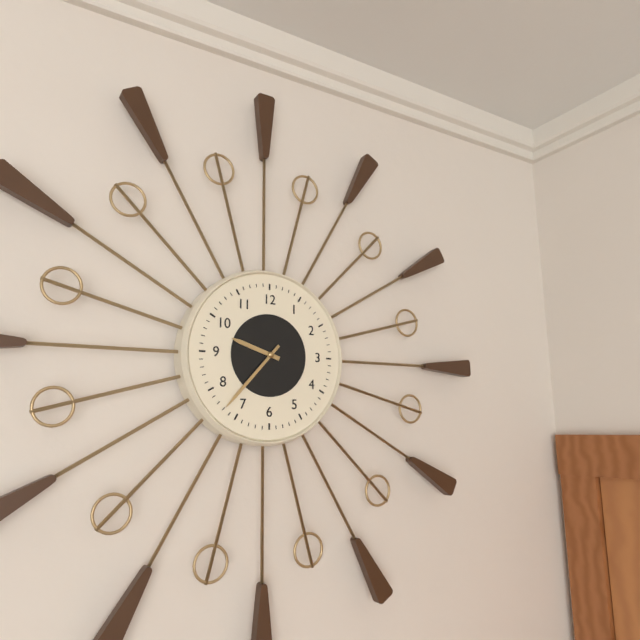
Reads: h=9 m=37
